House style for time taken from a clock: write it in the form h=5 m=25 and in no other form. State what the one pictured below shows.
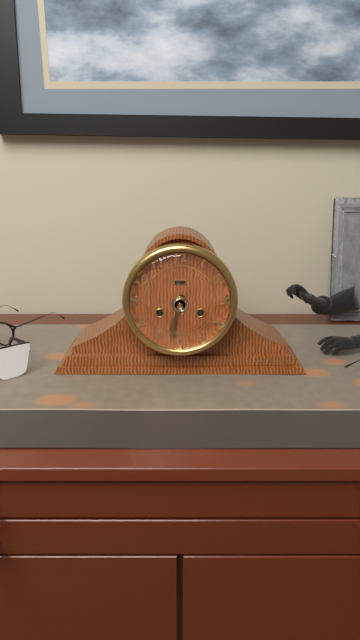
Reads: h=6 m=32
